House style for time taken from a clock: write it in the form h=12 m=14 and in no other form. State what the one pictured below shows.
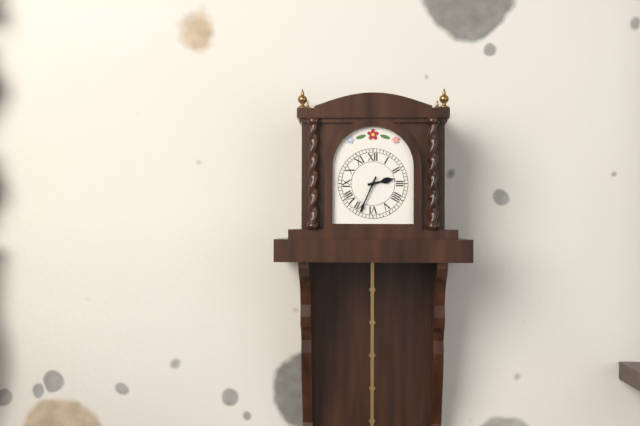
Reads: h=2 m=34
